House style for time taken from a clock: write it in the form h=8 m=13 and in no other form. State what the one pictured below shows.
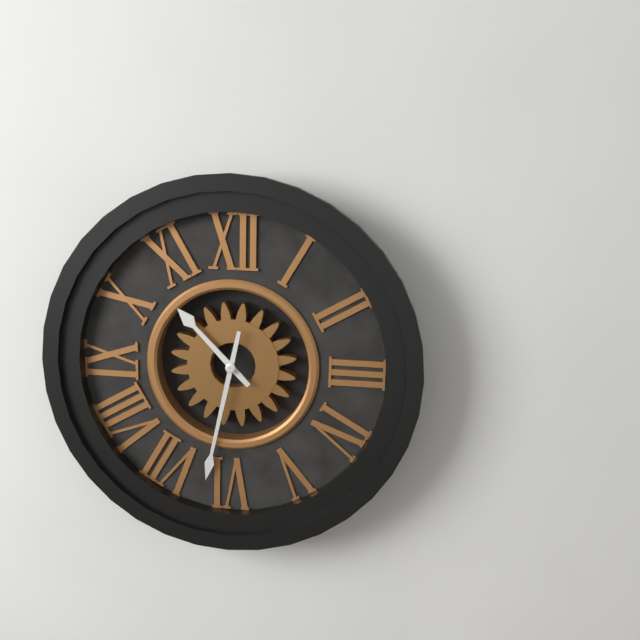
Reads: h=10 m=32
